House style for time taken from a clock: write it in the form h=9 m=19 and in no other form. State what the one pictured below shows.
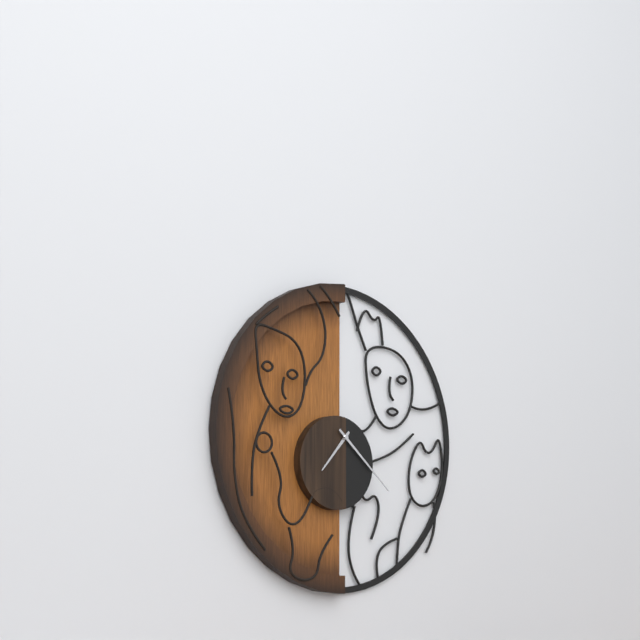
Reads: h=7 m=22
